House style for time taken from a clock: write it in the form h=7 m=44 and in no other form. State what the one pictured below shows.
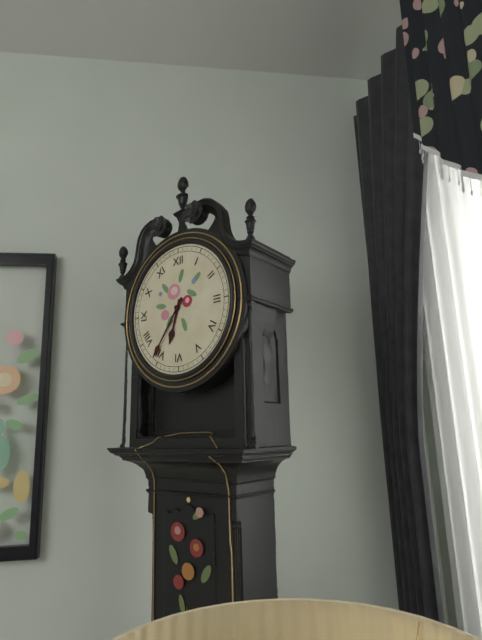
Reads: h=6 m=36
